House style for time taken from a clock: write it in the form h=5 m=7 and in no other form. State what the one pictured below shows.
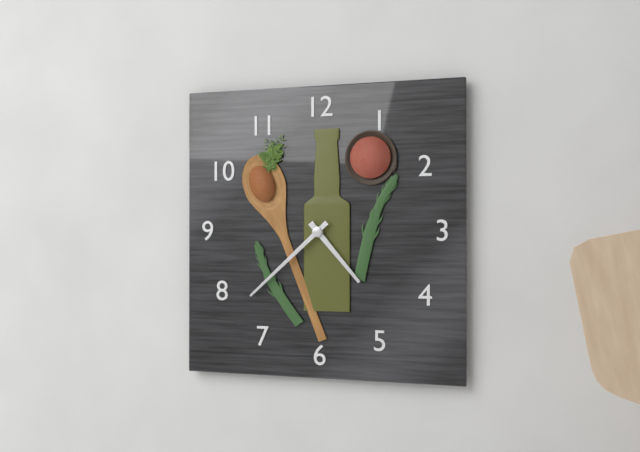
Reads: h=4 m=38
